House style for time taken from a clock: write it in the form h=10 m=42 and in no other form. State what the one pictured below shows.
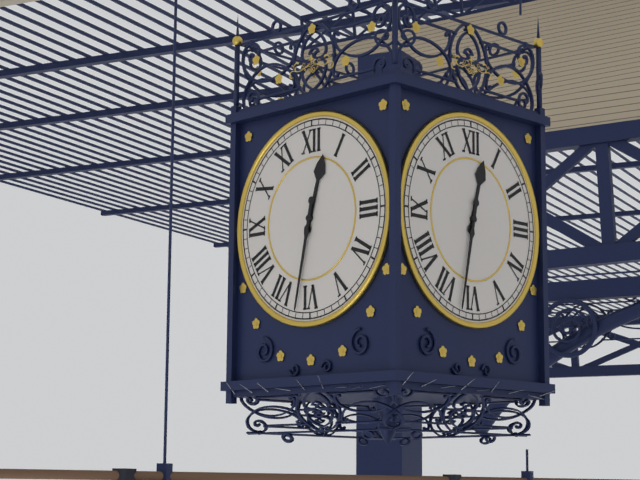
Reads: h=12 m=32
